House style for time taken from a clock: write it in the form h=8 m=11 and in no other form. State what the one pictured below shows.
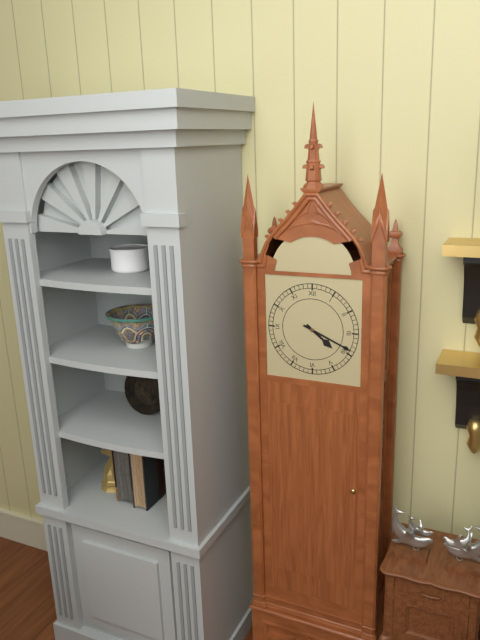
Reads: h=4 m=19
